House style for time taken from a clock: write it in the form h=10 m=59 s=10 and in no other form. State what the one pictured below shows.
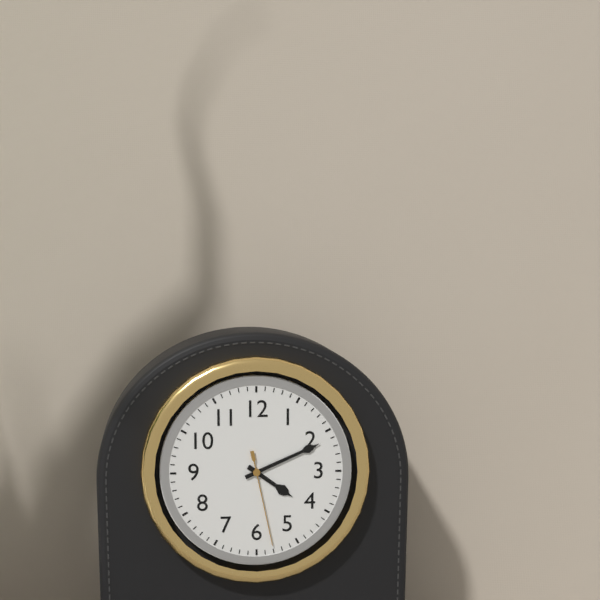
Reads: h=4 m=11 s=28
